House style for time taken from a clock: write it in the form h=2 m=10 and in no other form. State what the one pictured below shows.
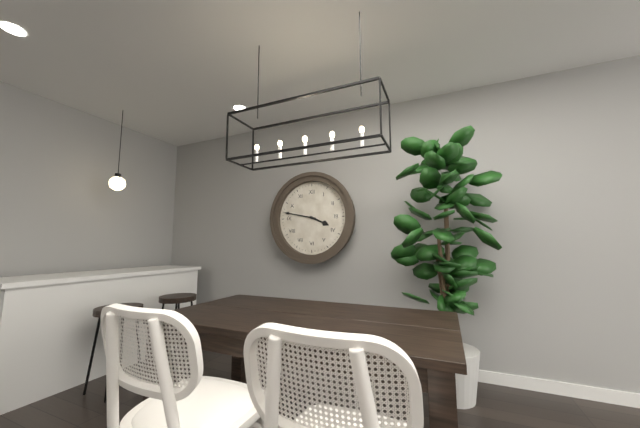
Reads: h=3 m=47
